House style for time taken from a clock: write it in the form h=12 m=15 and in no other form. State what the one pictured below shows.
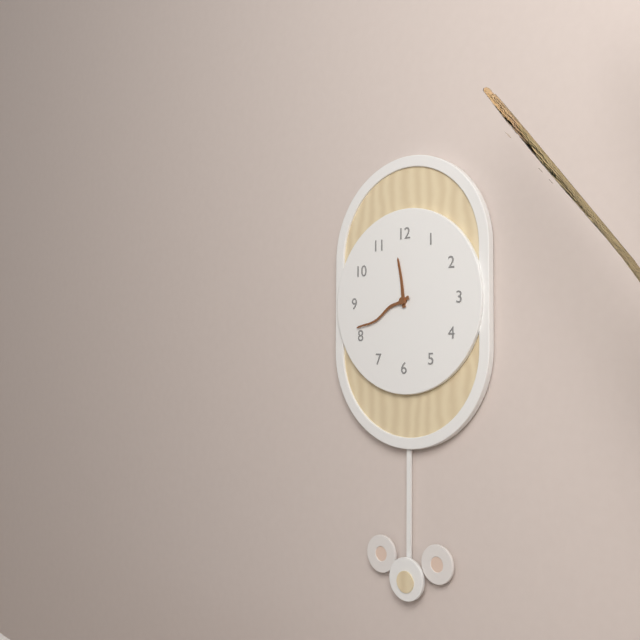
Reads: h=11 m=41
